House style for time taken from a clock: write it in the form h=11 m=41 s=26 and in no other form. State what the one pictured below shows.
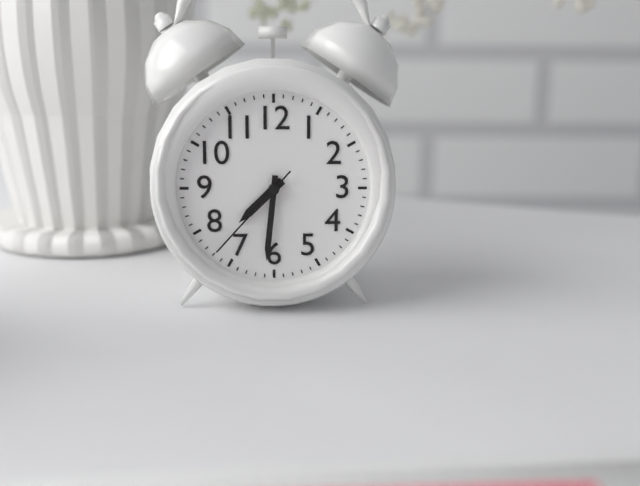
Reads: h=7 m=31 s=37
